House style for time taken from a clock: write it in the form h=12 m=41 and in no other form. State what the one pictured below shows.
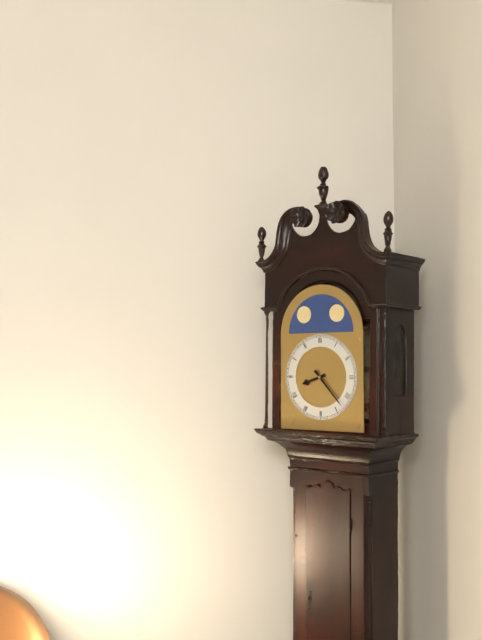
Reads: h=8 m=23
